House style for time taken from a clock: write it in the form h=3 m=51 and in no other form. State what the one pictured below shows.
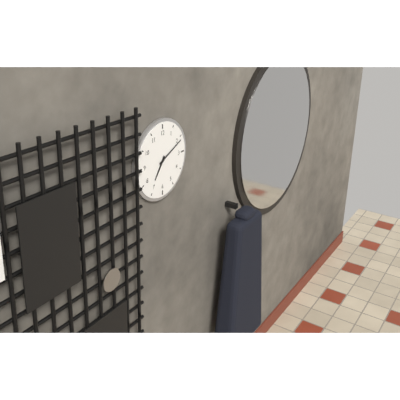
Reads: h=7 m=11
